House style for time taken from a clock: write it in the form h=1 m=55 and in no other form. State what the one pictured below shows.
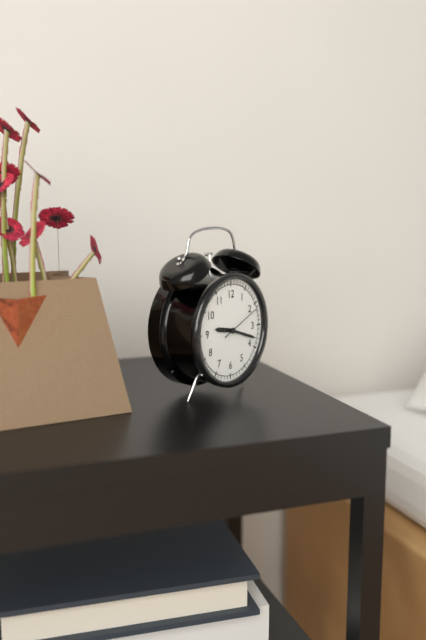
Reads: h=9 m=18
